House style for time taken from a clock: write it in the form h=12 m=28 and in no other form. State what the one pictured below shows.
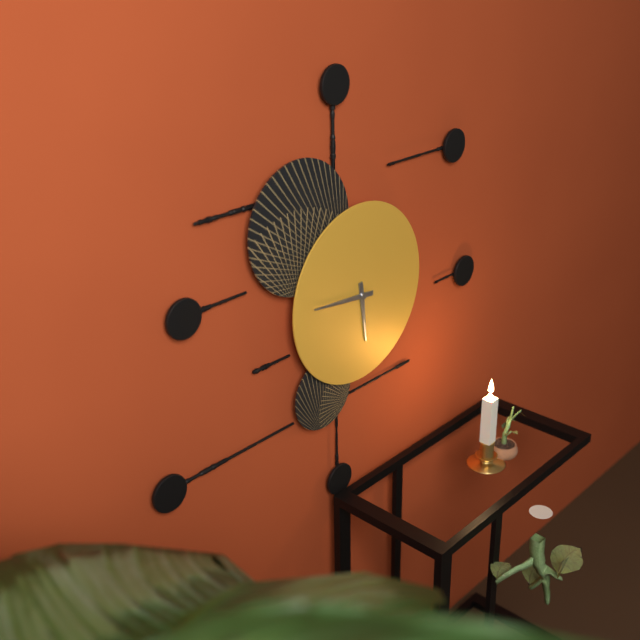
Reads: h=5 m=46
